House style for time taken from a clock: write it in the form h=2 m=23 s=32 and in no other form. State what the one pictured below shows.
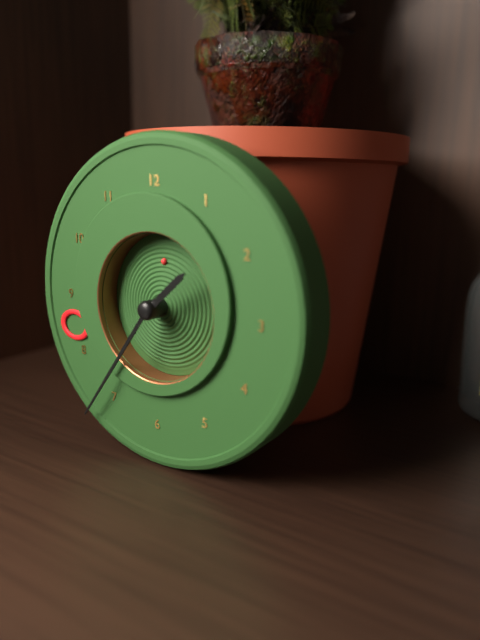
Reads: h=1 m=36 s=0
